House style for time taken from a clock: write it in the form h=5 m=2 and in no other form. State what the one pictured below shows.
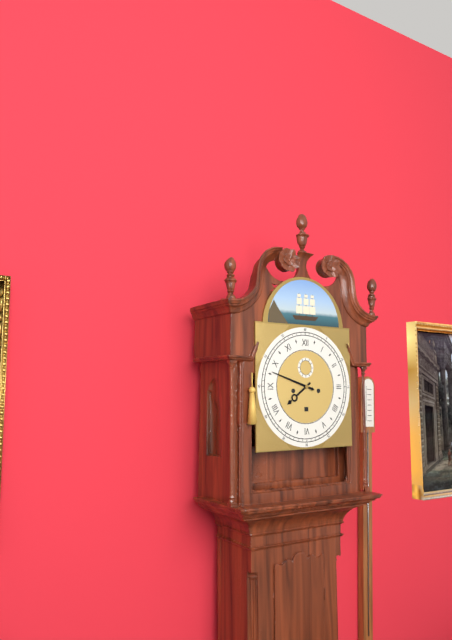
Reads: h=7 m=48
